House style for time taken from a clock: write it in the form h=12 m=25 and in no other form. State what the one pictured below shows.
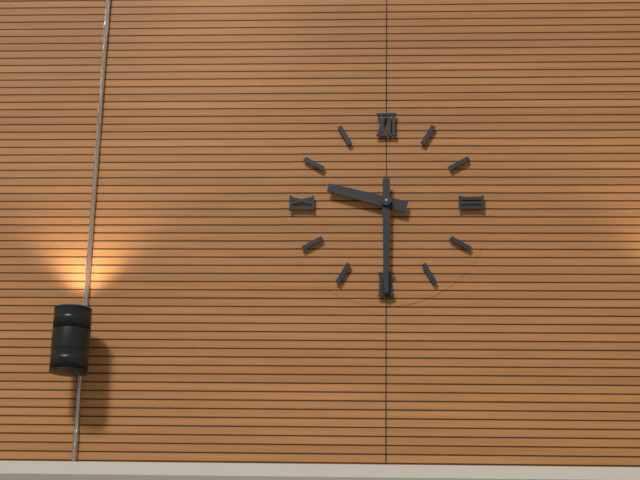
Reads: h=9 m=30
